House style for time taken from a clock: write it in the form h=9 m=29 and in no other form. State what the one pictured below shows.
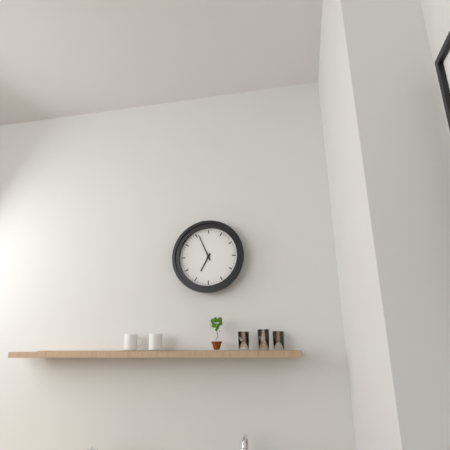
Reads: h=6 m=56
